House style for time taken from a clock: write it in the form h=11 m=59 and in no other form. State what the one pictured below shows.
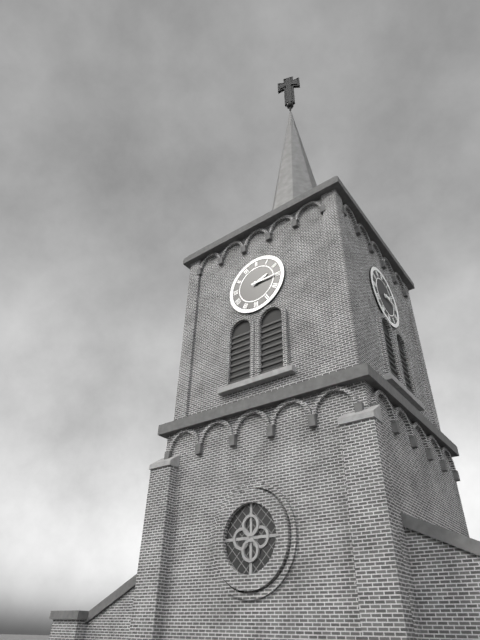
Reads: h=2 m=15
